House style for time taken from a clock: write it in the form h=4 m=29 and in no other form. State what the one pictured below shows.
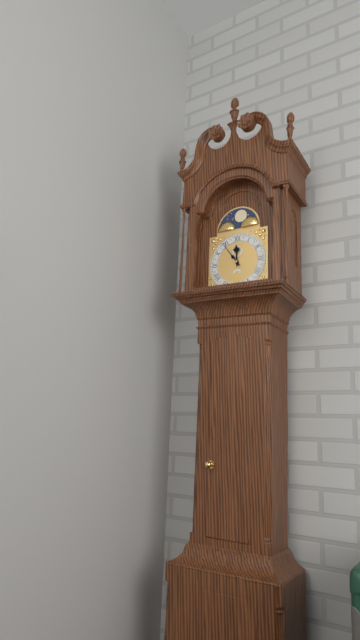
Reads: h=11 m=54
